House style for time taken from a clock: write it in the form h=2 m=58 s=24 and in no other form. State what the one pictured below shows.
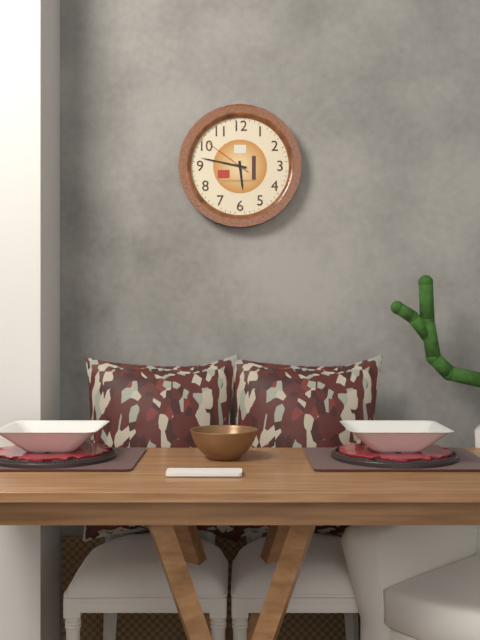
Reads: h=5 m=47 s=51
